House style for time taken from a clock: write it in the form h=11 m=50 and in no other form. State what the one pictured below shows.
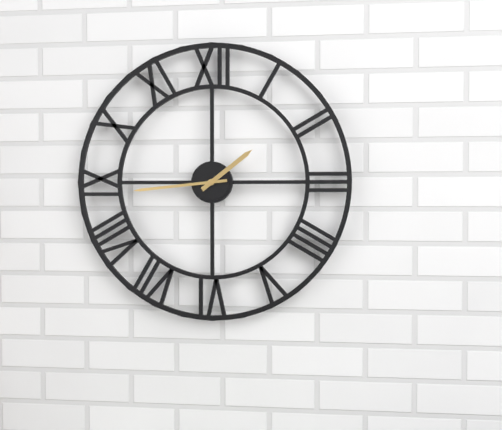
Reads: h=1 m=44
